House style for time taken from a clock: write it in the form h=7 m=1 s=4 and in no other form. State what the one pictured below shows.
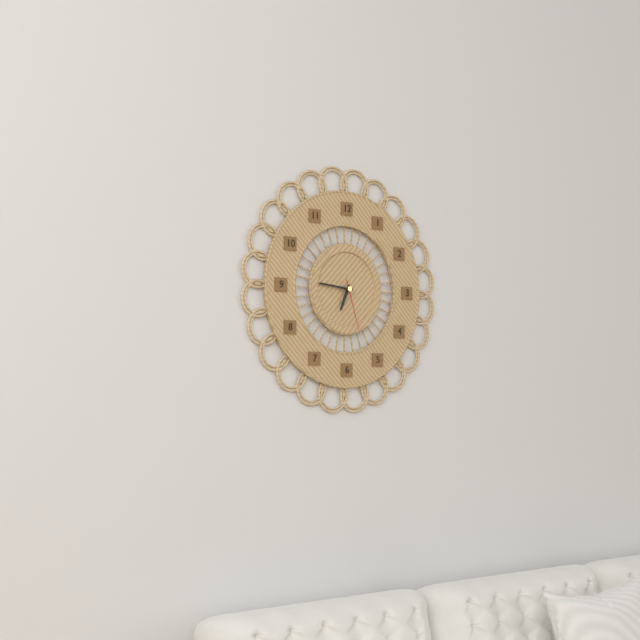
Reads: h=6 m=46 s=27
